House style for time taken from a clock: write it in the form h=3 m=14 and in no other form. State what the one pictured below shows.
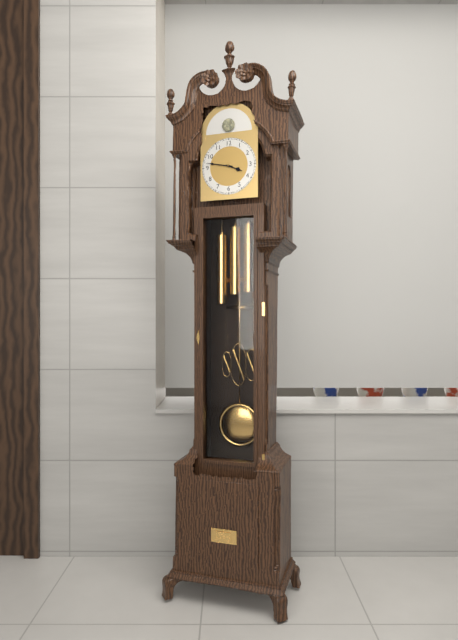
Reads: h=3 m=47
